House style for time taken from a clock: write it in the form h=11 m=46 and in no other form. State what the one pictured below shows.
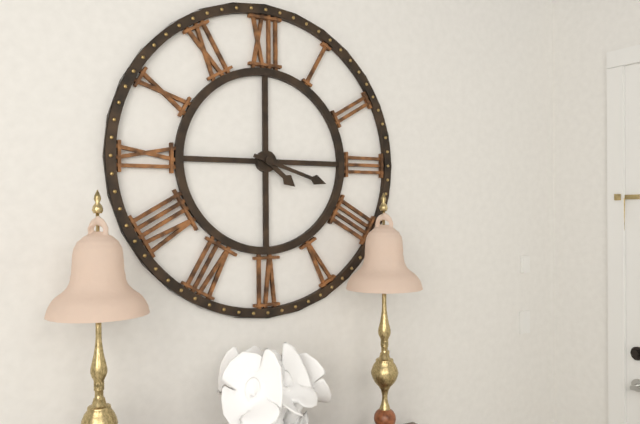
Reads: h=4 m=18
